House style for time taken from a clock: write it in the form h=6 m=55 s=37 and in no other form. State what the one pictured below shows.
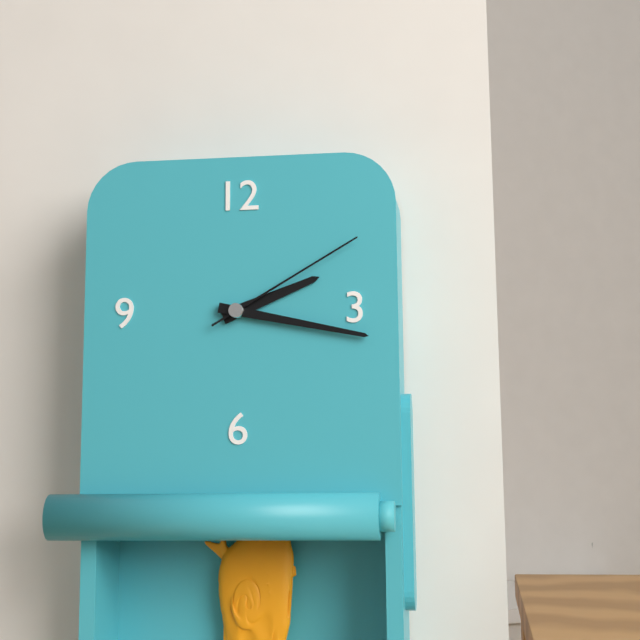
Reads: h=2 m=17 s=10
